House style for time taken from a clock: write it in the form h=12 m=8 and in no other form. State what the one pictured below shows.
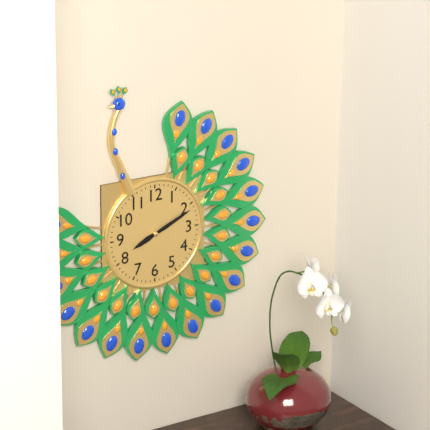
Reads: h=8 m=11
